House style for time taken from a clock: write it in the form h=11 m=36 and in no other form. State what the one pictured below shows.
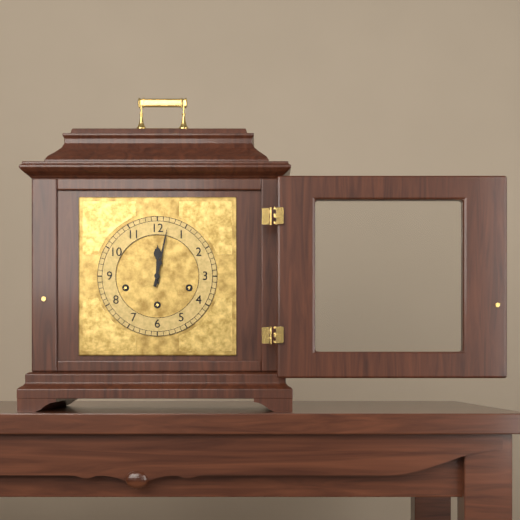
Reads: h=12 m=2
